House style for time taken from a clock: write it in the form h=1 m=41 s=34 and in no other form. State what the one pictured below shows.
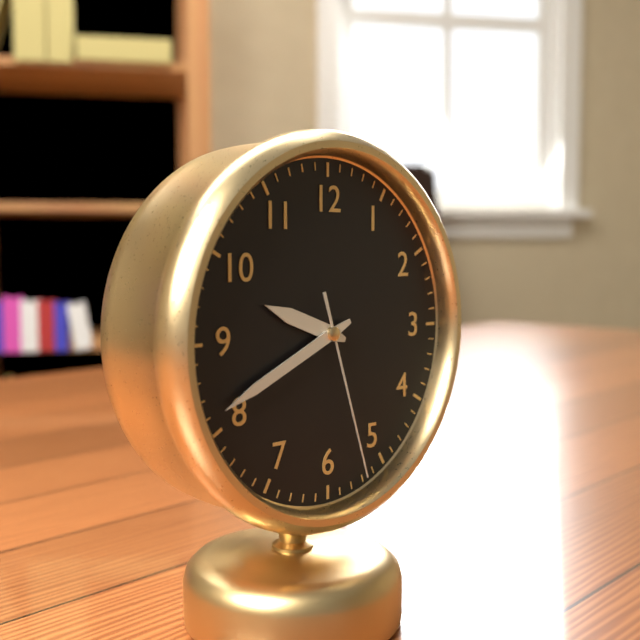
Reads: h=9 m=41 s=27
